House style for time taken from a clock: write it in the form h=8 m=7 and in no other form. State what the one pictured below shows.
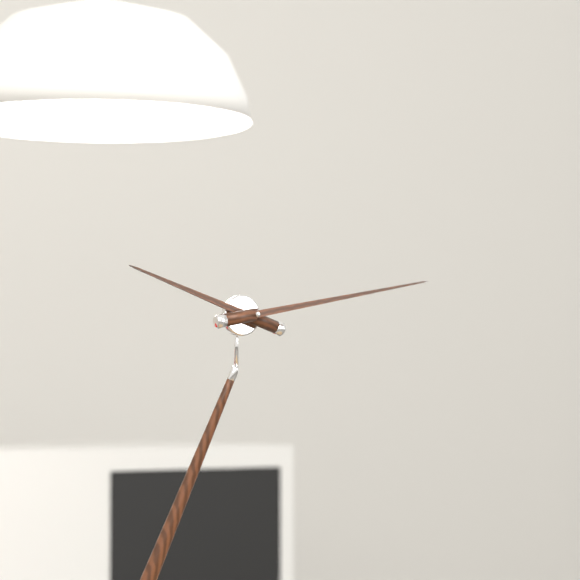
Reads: h=9 m=11
